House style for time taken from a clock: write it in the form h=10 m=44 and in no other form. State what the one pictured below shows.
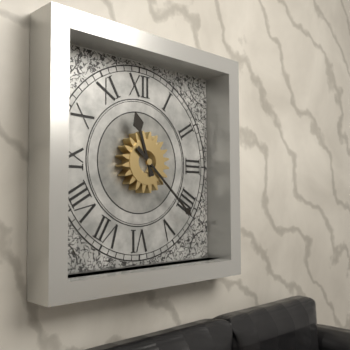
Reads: h=11 m=22
